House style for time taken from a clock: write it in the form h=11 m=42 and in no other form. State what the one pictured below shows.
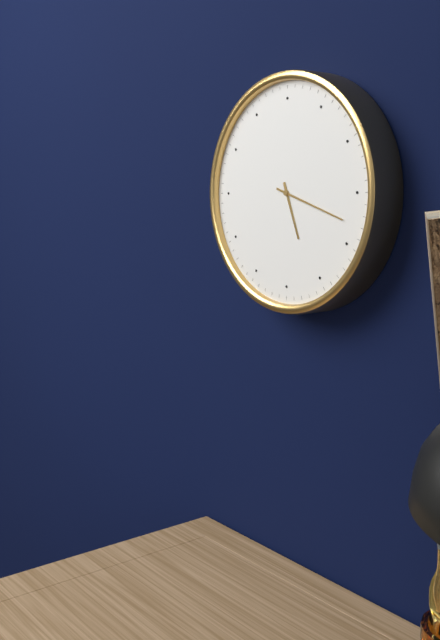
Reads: h=5 m=18
